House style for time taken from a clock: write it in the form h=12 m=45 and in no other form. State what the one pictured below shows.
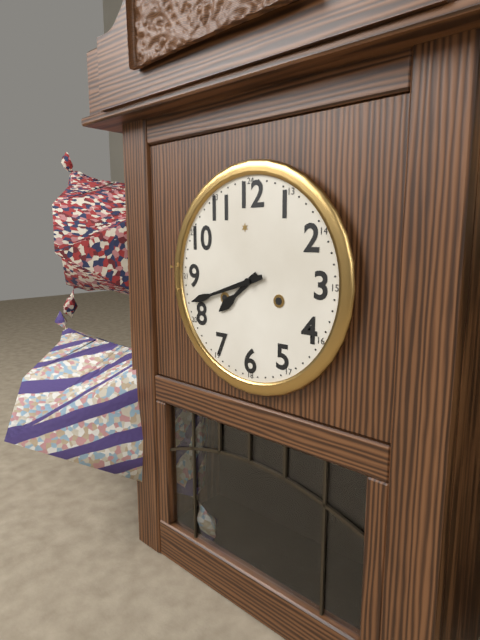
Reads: h=7 m=42
